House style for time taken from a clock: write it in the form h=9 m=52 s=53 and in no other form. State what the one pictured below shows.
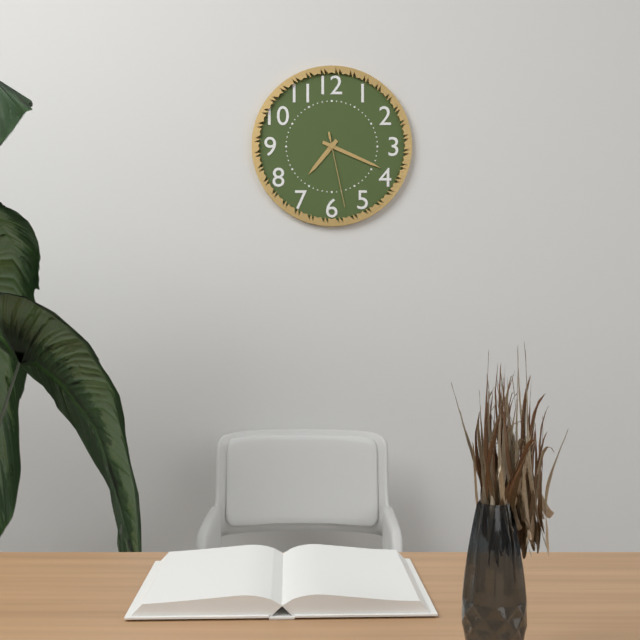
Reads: h=7 m=19 s=28
